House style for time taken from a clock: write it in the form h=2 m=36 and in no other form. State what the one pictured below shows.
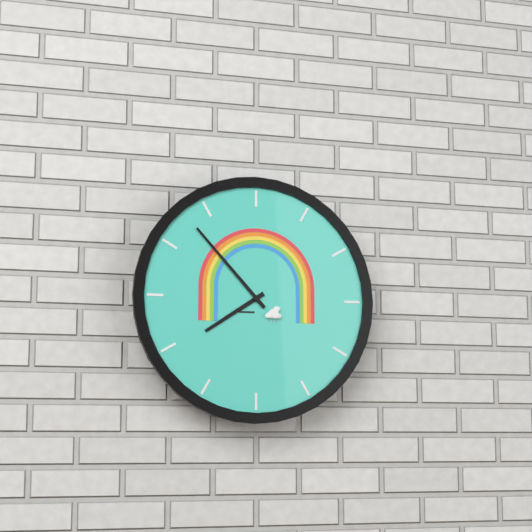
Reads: h=7 m=53
